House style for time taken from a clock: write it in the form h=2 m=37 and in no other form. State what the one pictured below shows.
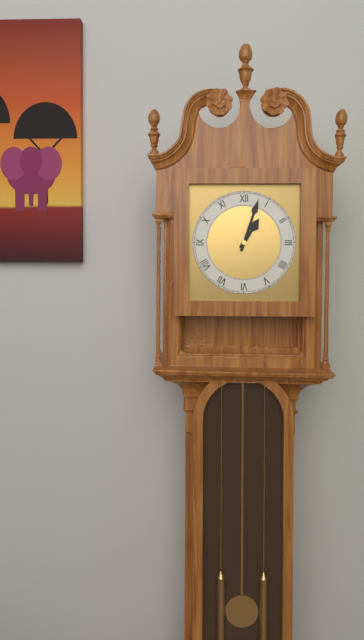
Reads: h=1 m=3
